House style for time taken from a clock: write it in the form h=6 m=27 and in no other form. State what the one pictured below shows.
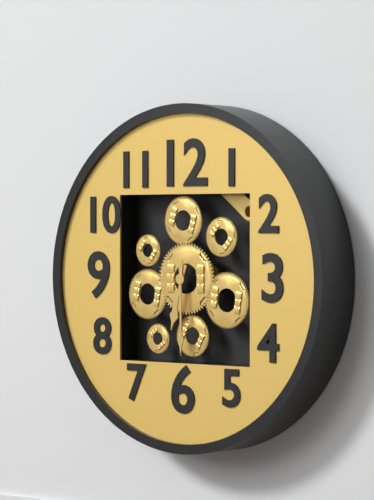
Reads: h=6 m=30
